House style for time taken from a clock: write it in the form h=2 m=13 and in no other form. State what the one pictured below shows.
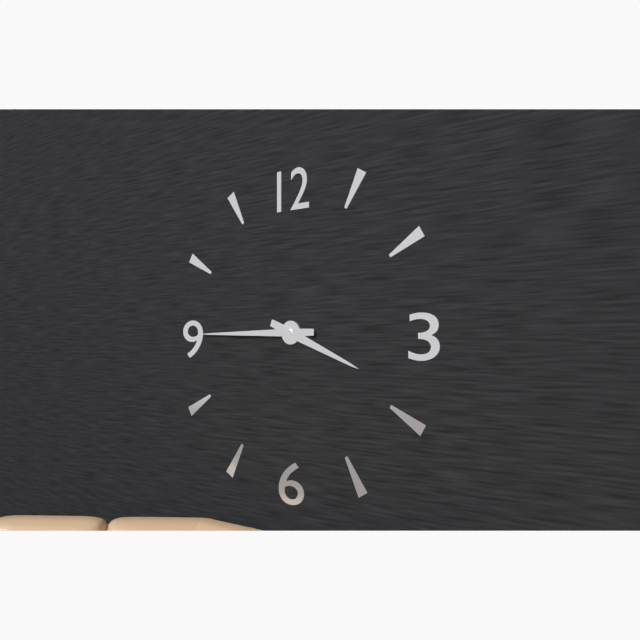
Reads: h=3 m=45
